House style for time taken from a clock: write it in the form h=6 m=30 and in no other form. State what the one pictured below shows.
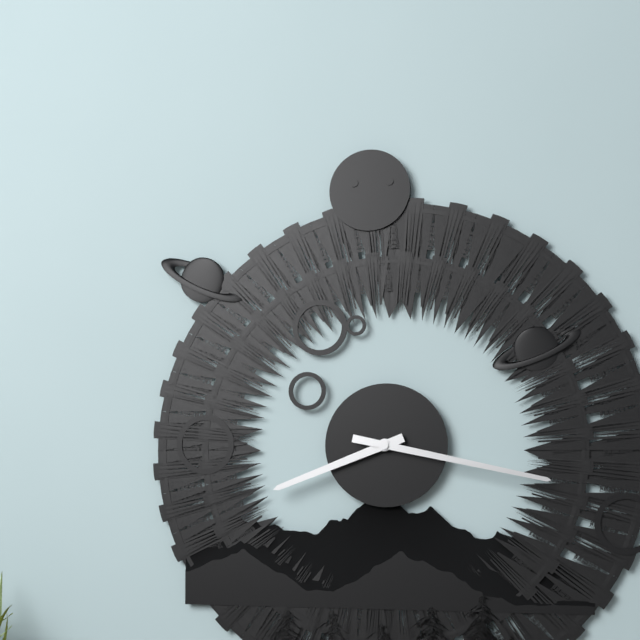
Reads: h=8 m=17
